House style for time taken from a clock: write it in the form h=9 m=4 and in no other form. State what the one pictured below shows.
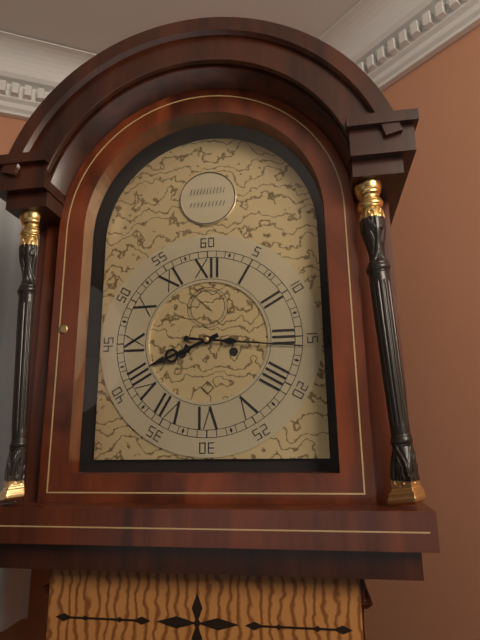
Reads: h=8 m=16
